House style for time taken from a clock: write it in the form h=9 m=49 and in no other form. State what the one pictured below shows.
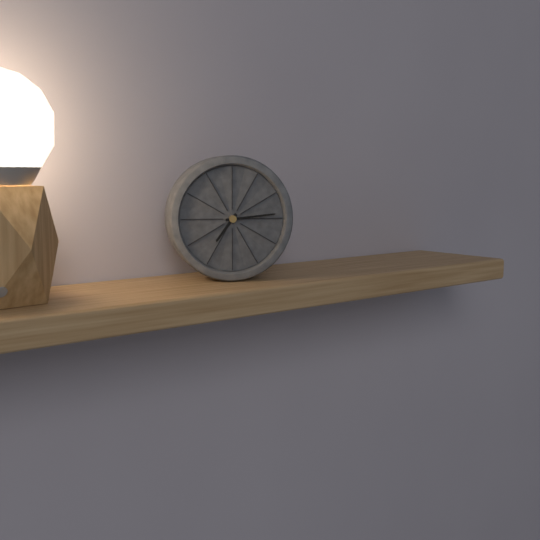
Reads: h=7 m=14
